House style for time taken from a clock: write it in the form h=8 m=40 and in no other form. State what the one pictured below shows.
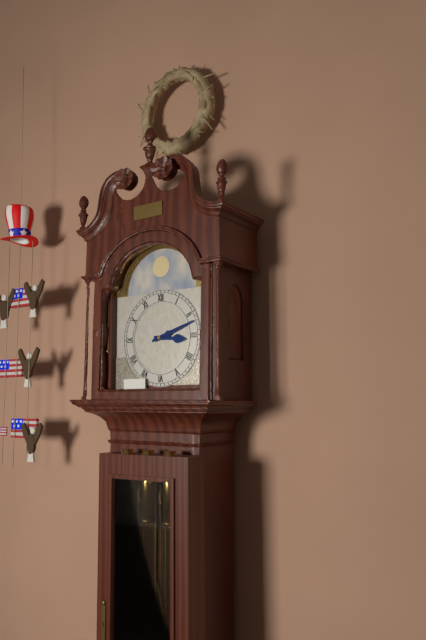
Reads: h=3 m=12
